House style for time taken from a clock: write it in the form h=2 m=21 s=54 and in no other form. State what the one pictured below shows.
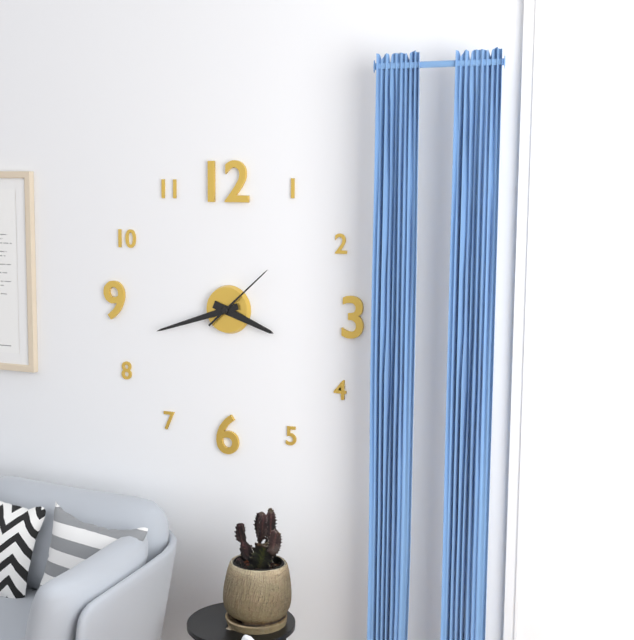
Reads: h=3 m=42 s=8
